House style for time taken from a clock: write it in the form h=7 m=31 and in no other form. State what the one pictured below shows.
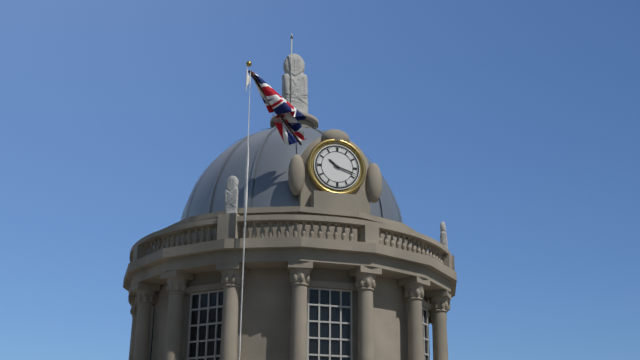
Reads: h=10 m=18
